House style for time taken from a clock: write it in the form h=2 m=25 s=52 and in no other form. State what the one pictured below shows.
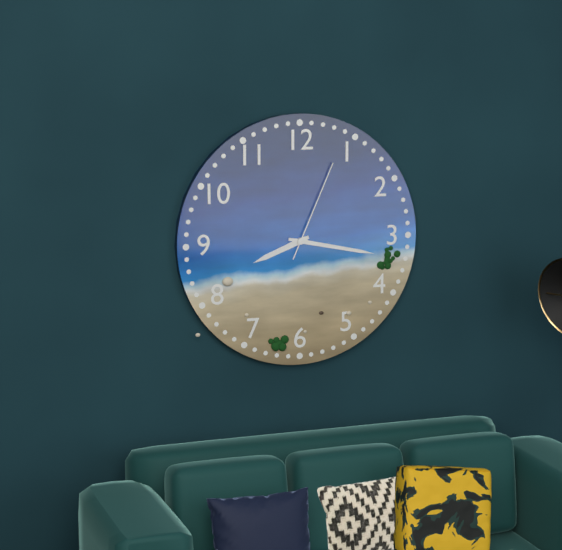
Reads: h=8 m=17 s=4
